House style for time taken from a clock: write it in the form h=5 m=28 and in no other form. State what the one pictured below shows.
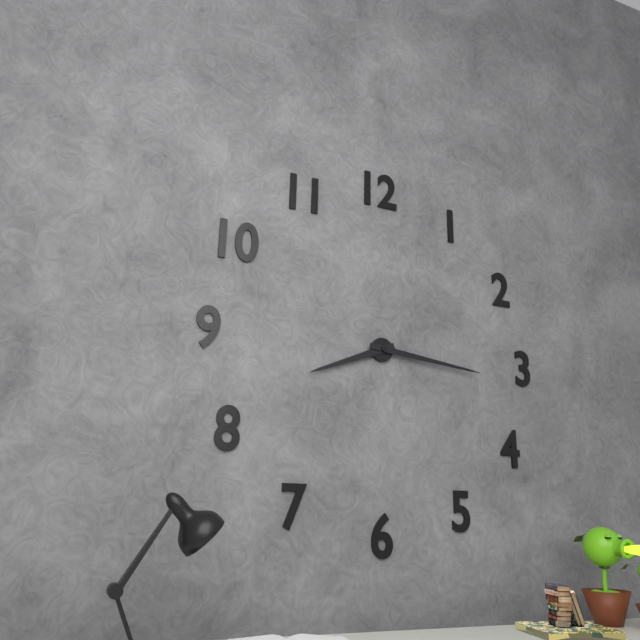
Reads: h=8 m=16
